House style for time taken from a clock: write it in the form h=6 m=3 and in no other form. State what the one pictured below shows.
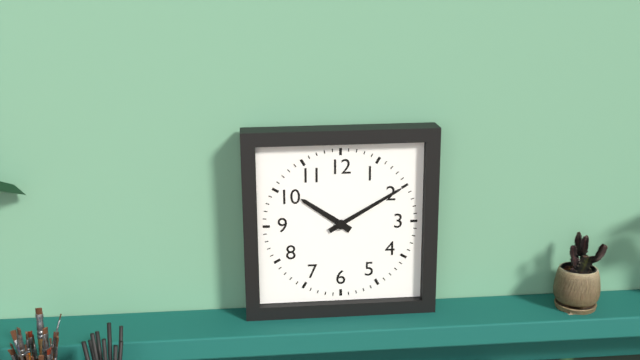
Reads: h=10 m=10
